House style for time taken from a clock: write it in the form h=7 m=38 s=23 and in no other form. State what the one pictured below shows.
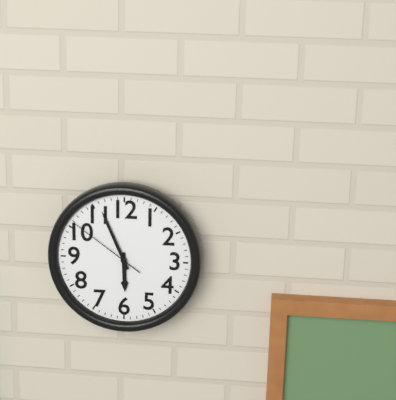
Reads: h=5 m=56 s=51
